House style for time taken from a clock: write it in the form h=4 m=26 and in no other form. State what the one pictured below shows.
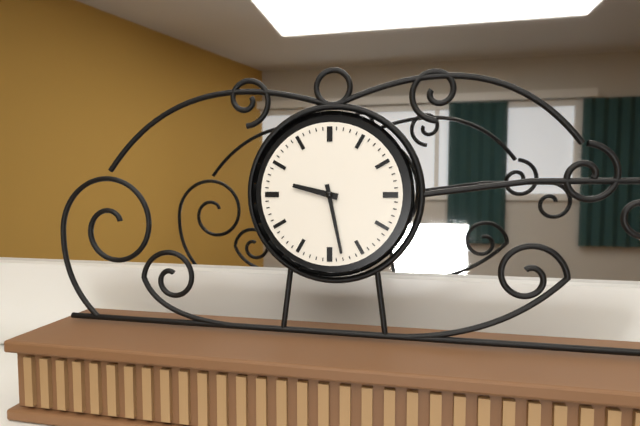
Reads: h=9 m=28
